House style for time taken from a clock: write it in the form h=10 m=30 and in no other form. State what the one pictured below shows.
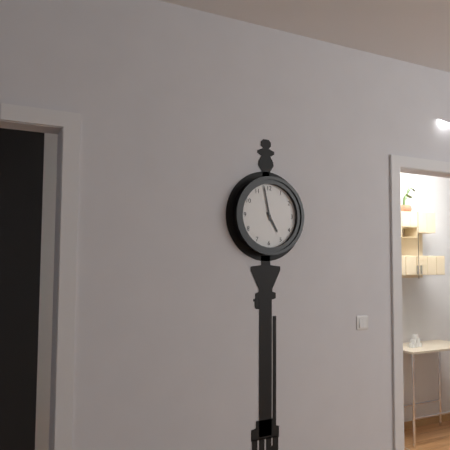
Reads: h=4 m=58
